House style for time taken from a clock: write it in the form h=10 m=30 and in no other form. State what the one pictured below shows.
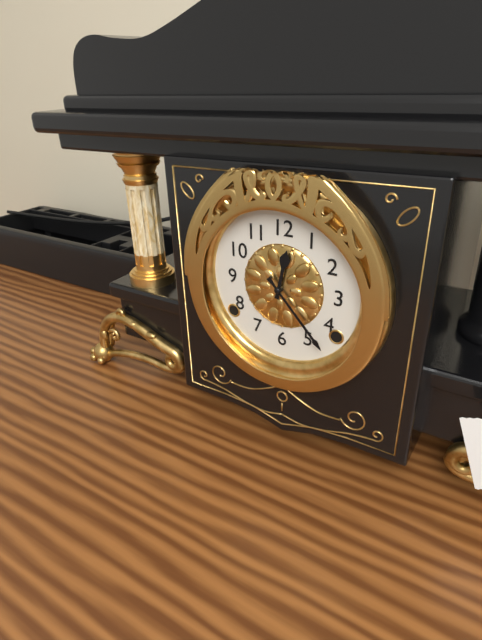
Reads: h=12 m=23
